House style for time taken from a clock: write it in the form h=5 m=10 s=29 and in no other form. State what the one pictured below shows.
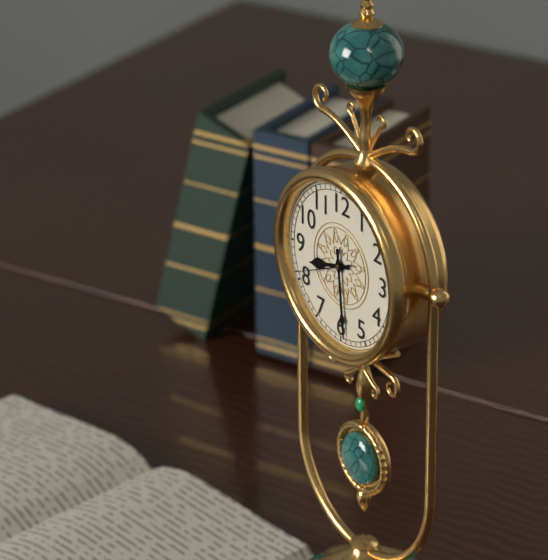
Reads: h=8 m=29 s=41
